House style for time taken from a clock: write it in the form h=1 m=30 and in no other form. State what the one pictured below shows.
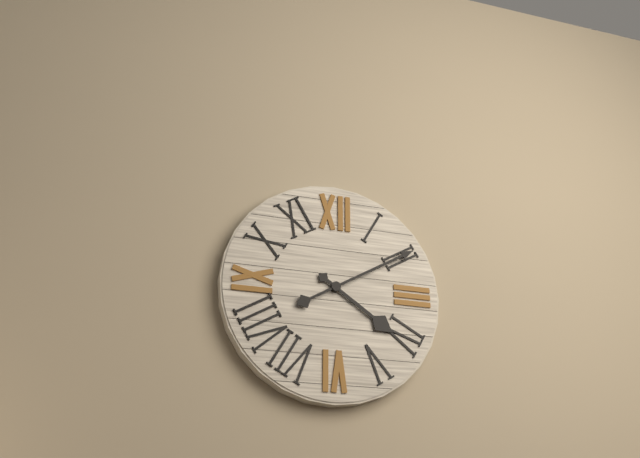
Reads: h=4 m=10
